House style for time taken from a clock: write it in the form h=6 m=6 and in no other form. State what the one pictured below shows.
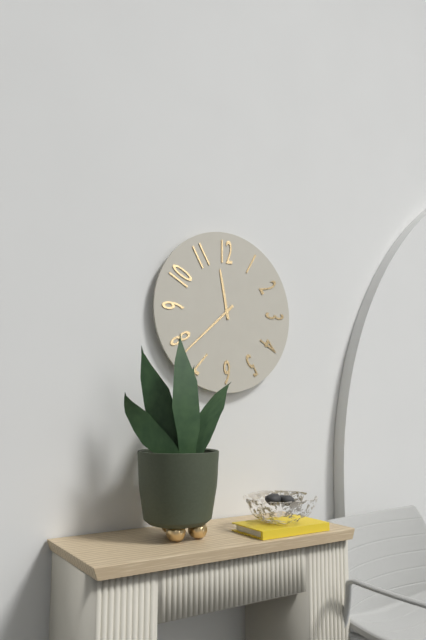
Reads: h=11 m=38
